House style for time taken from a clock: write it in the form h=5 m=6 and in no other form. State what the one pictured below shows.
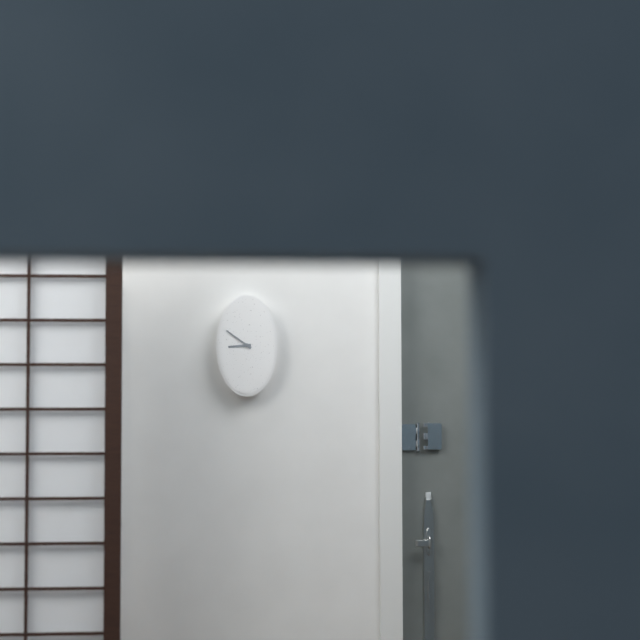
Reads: h=8 m=51
